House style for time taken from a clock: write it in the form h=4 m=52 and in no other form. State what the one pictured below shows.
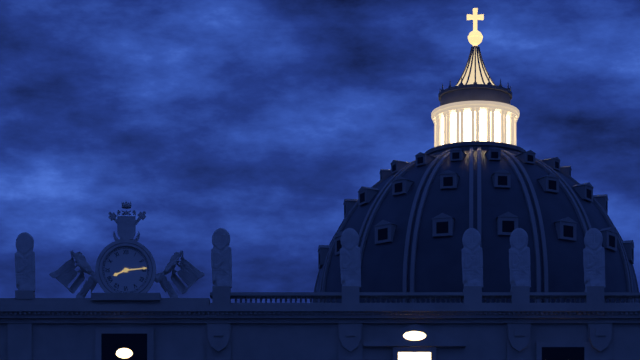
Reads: h=8 m=14
